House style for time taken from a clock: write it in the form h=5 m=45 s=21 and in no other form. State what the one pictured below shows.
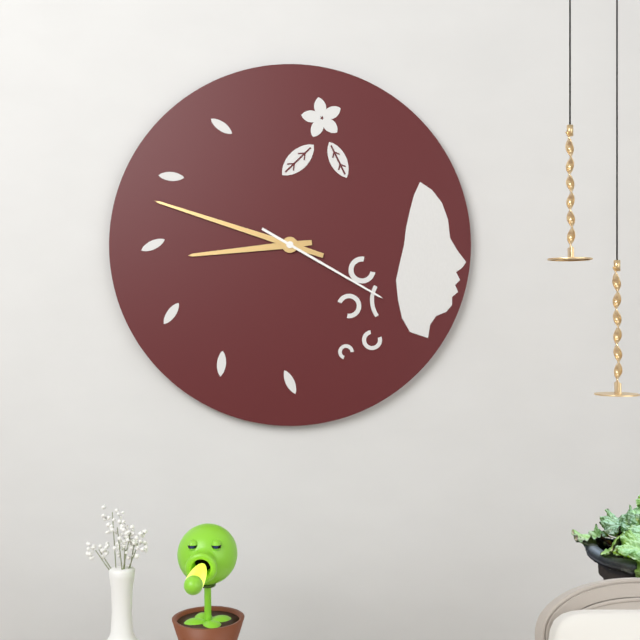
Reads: h=8 m=48 s=20
